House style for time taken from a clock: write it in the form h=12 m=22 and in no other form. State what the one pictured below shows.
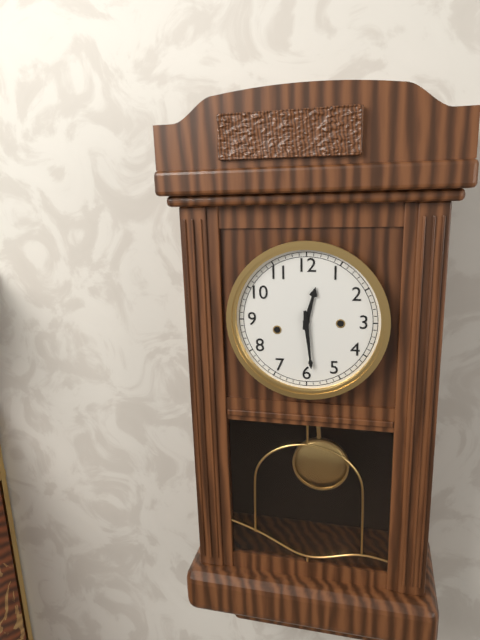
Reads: h=12 m=29
